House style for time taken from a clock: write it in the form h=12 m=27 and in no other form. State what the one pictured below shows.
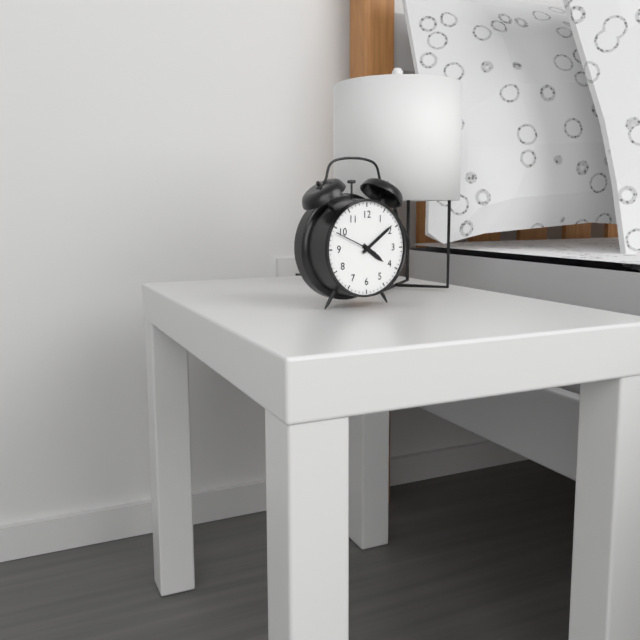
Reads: h=4 m=9
